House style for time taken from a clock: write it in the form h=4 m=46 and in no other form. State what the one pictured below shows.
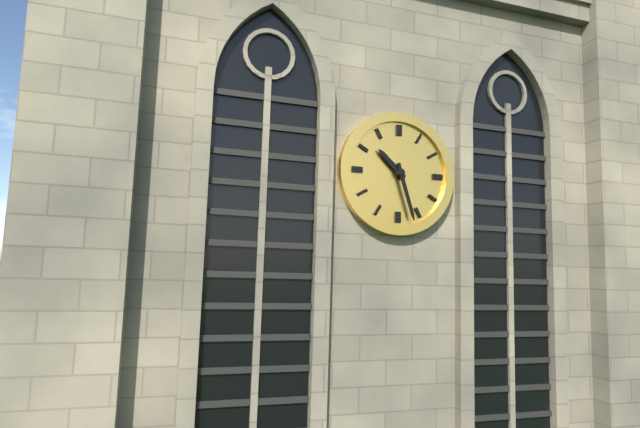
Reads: h=10 m=27
